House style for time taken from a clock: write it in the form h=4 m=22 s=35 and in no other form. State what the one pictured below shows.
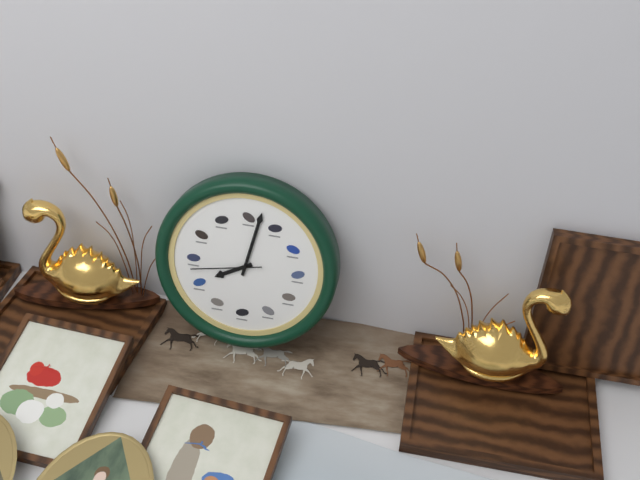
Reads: h=8 m=2 s=43
